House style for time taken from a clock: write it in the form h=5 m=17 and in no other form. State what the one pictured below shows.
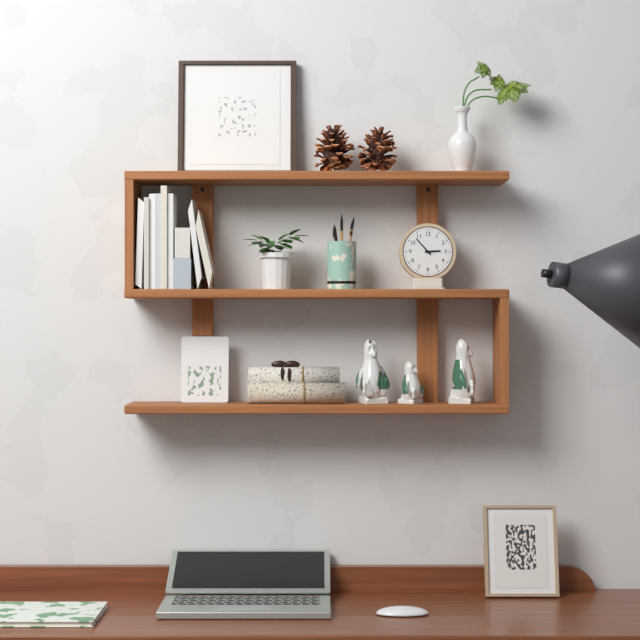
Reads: h=2 m=53
